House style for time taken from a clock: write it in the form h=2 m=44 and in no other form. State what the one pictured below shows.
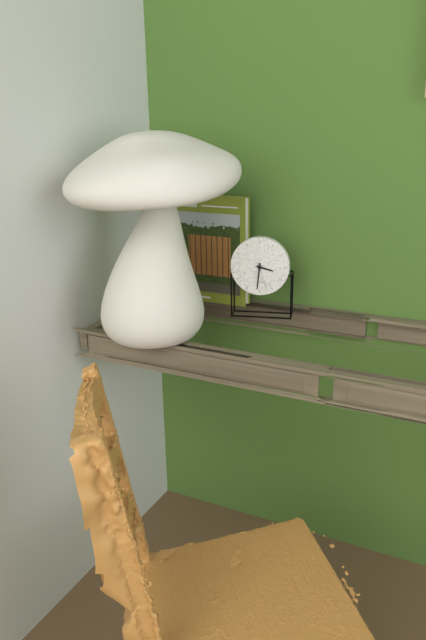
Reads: h=3 m=31
